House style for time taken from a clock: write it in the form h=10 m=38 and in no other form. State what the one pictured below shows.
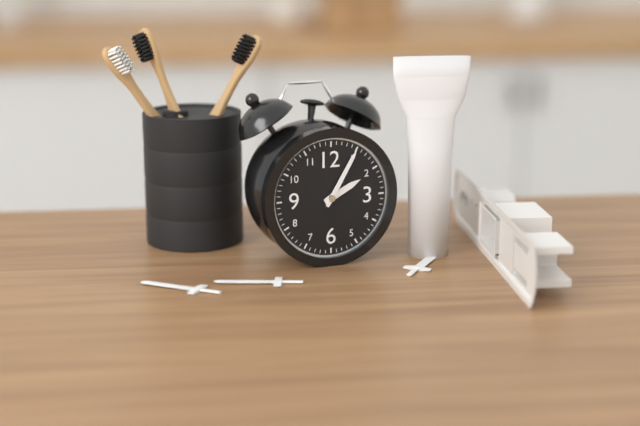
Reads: h=2 m=5
